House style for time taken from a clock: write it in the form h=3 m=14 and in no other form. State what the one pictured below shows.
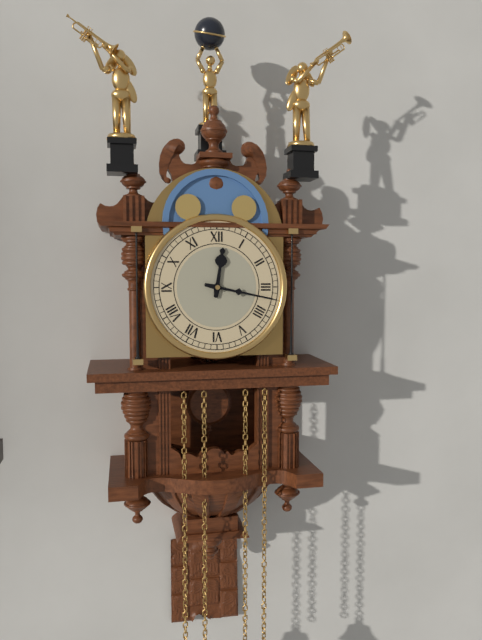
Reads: h=12 m=17
